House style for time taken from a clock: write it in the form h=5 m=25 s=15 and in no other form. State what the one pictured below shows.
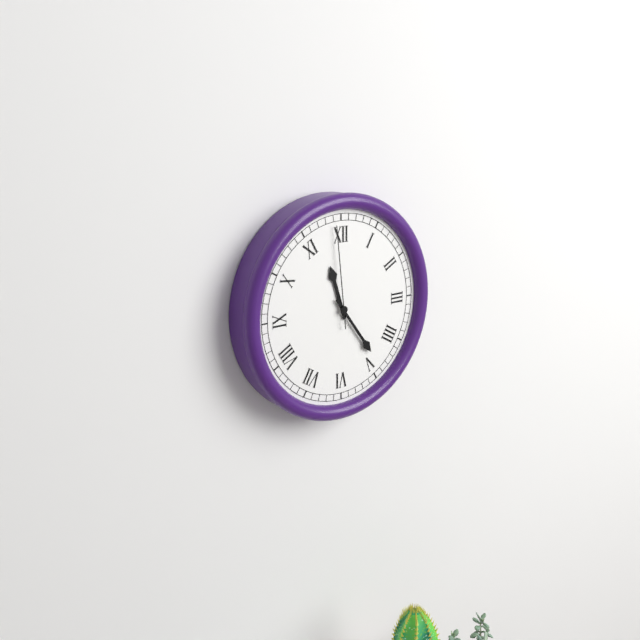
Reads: h=11 m=24 s=59
